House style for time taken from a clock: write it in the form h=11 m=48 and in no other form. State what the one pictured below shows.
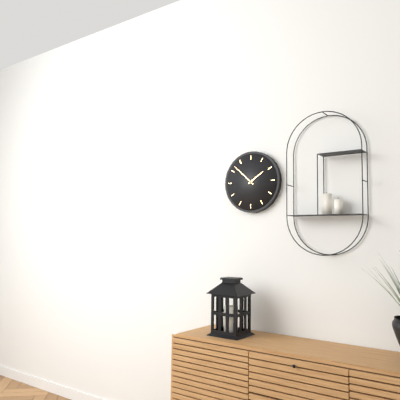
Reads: h=1 m=52
